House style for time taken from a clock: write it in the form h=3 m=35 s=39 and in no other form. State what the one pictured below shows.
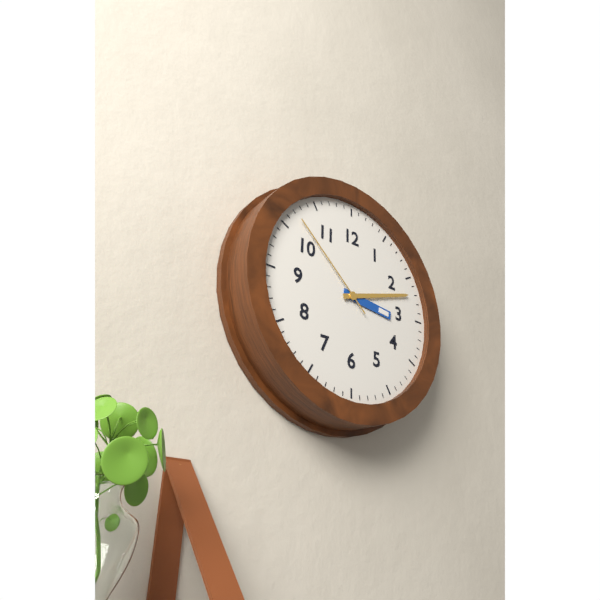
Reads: h=3 m=12 s=52
